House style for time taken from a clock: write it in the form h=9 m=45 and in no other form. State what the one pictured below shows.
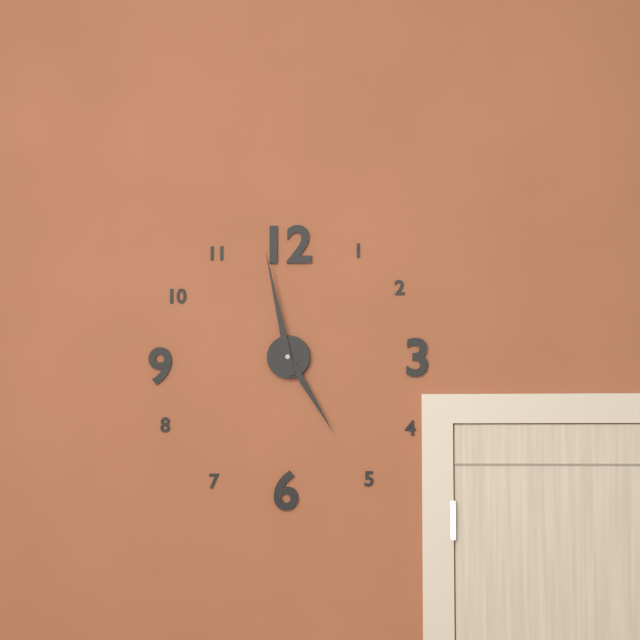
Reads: h=4 m=58
